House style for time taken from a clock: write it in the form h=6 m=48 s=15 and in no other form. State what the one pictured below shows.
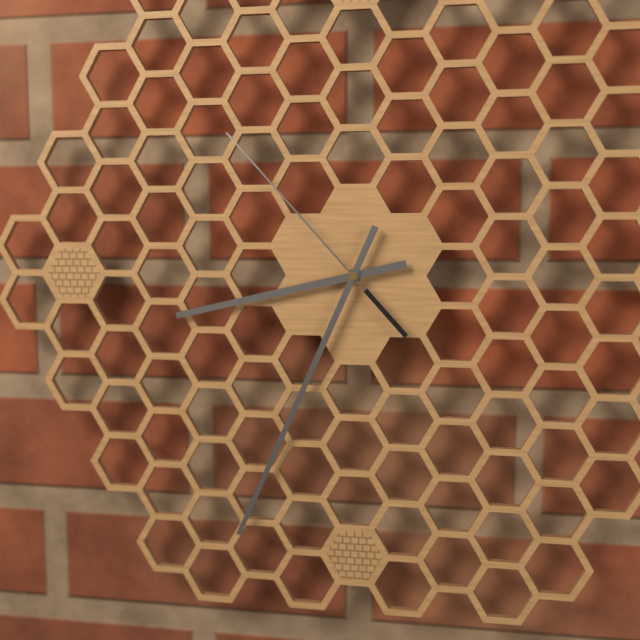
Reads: h=8 m=34 s=53
